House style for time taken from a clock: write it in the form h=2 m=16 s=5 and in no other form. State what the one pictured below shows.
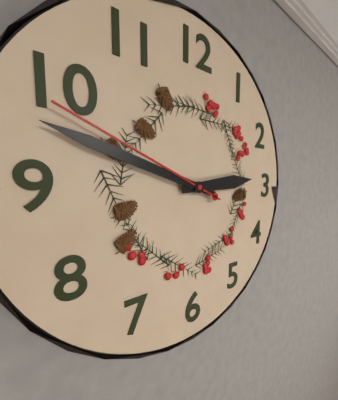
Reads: h=2 m=48 s=49
